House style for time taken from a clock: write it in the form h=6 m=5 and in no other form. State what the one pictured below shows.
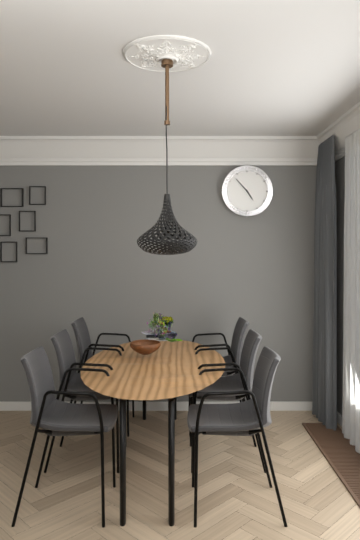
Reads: h=4 m=53
